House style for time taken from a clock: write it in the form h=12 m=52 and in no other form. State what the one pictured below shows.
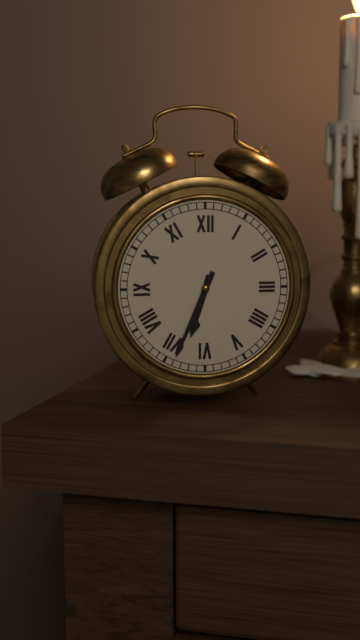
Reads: h=6 m=34
